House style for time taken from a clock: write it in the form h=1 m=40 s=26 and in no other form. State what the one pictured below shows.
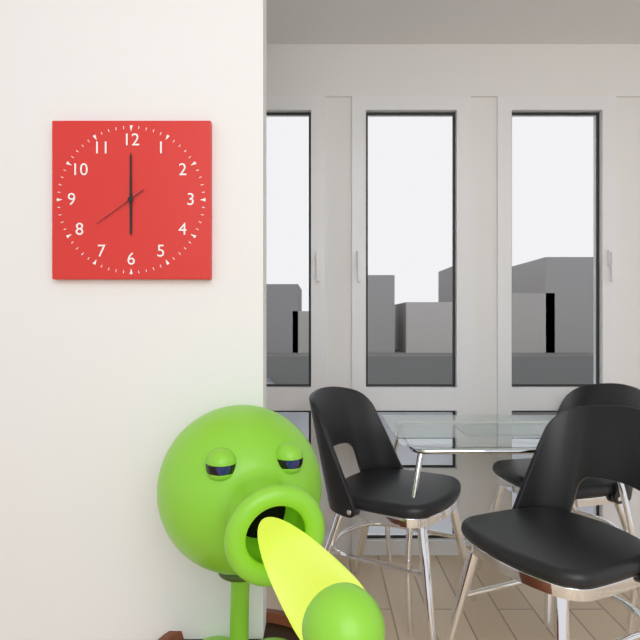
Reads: h=6 m=0 s=39
